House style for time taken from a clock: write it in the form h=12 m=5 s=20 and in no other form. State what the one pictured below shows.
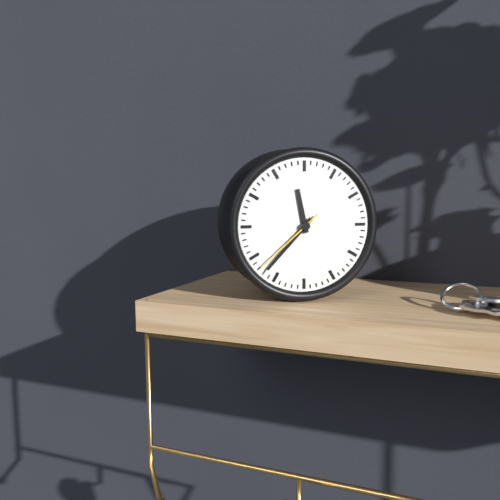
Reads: h=11 m=37 s=38
